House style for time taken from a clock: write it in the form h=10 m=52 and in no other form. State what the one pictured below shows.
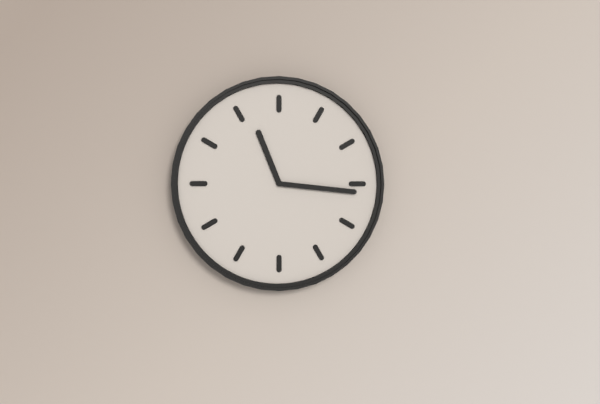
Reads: h=11 m=16
